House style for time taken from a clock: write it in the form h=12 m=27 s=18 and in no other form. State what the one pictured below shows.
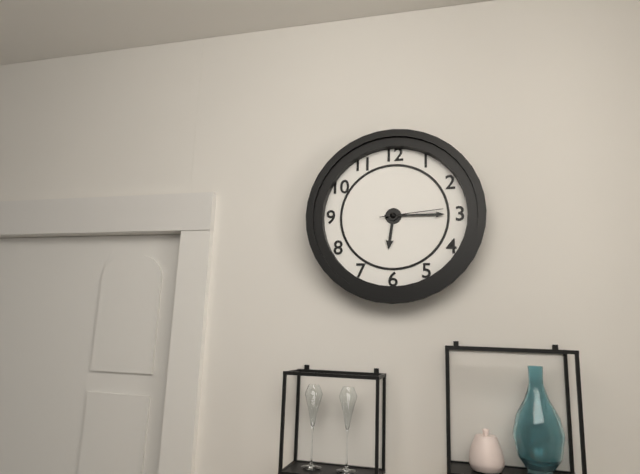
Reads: h=6 m=15 s=14
